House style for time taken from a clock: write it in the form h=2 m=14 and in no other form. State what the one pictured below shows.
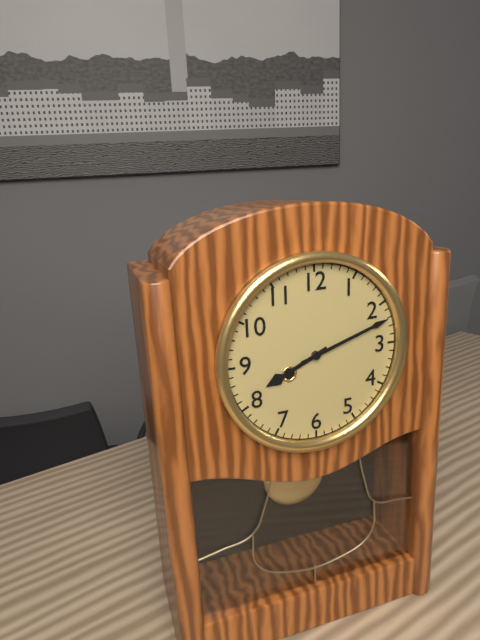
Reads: h=8 m=12
